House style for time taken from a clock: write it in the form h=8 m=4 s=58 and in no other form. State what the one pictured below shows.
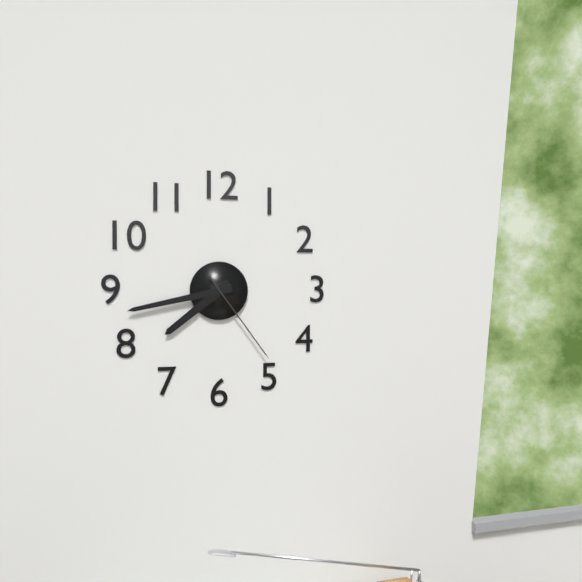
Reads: h=7 m=43 s=24
